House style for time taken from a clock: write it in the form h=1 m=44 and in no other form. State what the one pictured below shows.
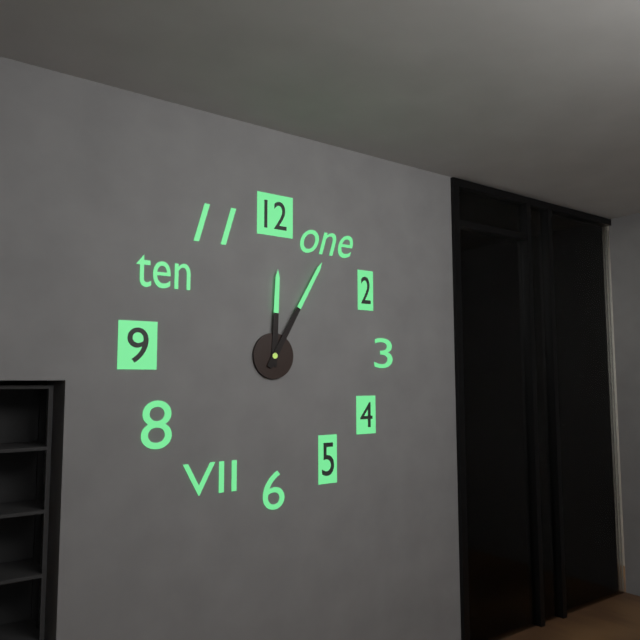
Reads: h=12 m=5
